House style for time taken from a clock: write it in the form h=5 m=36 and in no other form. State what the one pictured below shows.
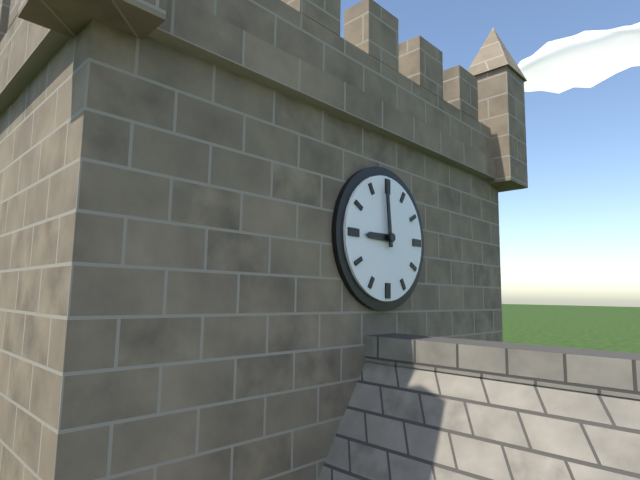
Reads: h=8 m=59
